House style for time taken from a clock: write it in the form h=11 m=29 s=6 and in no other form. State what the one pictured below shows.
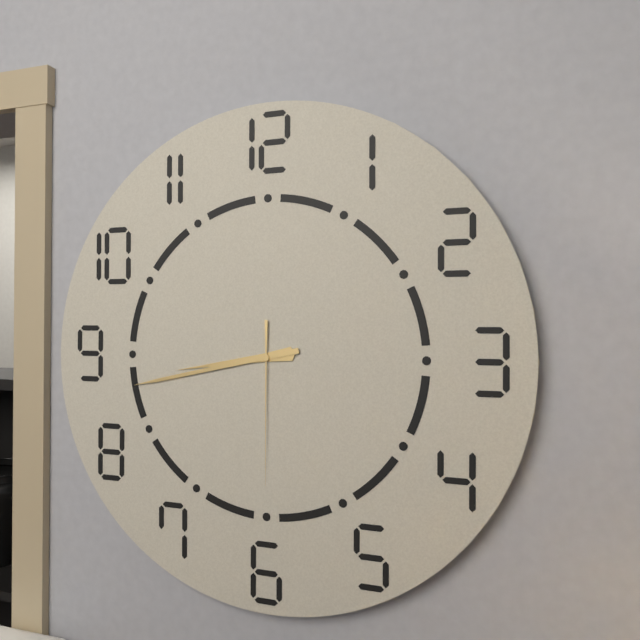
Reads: h=8 m=43 s=30
